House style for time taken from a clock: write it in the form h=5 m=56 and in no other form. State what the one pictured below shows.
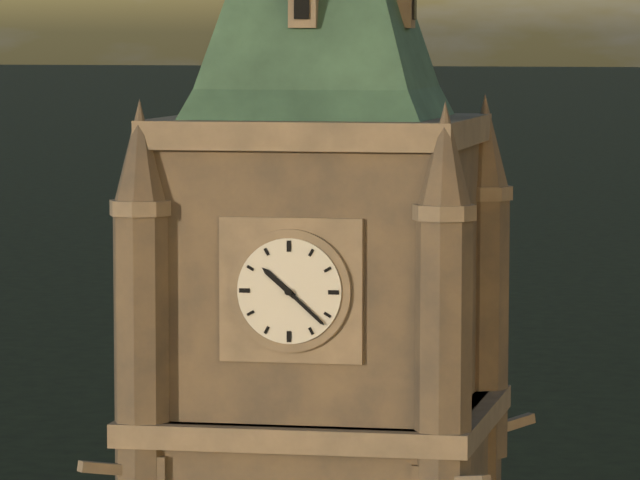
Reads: h=10 m=22
